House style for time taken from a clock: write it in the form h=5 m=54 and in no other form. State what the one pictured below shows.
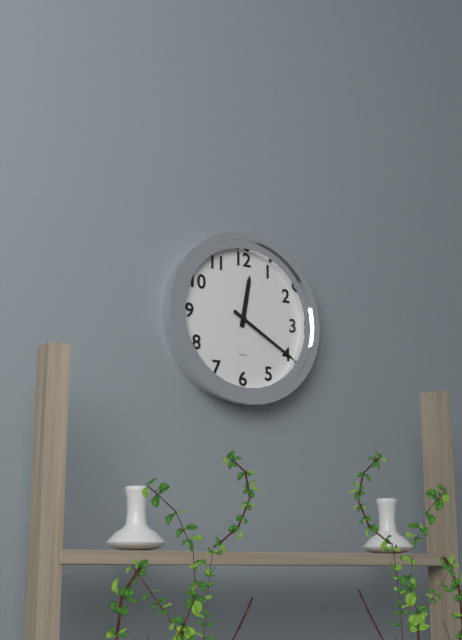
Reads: h=12 m=20
